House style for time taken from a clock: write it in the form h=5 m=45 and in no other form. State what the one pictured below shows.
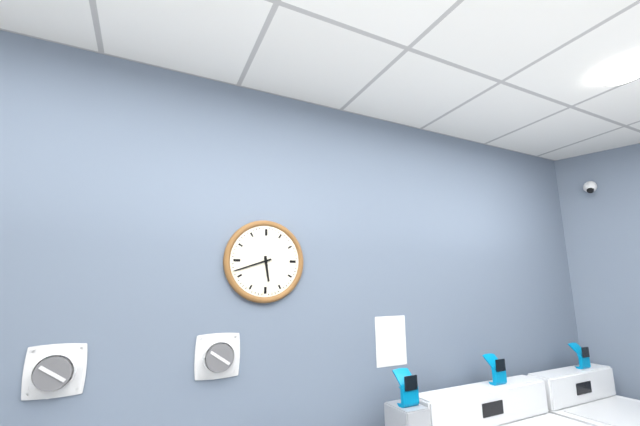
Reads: h=5 m=42
